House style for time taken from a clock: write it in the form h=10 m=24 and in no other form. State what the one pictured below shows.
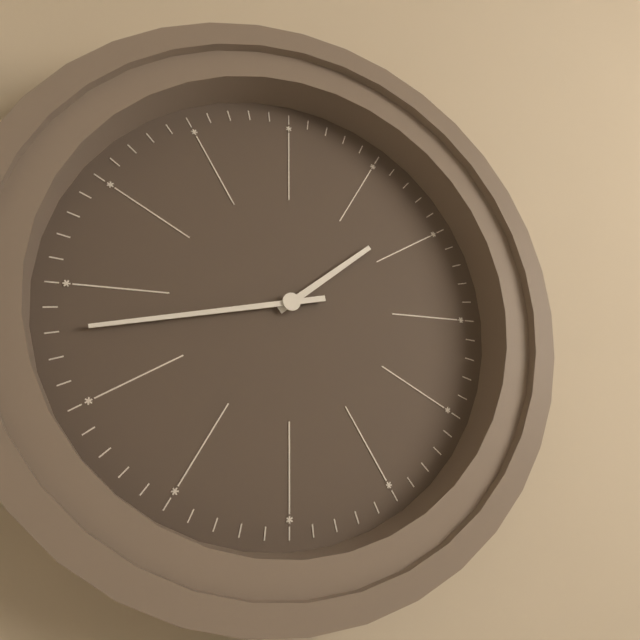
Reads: h=1 m=43
